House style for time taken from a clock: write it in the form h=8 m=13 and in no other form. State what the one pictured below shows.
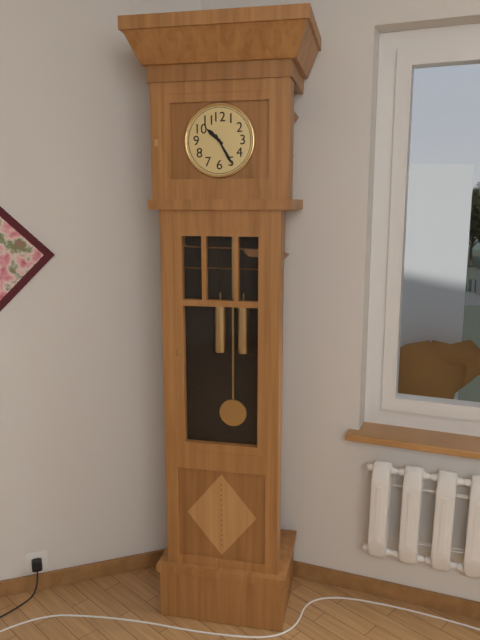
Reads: h=10 m=25
